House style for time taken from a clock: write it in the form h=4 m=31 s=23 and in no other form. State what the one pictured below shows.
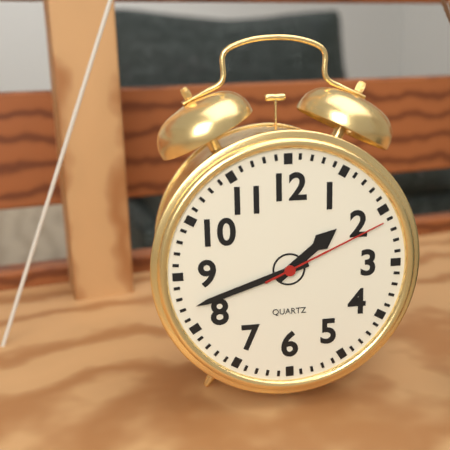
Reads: h=1 m=42 s=11
